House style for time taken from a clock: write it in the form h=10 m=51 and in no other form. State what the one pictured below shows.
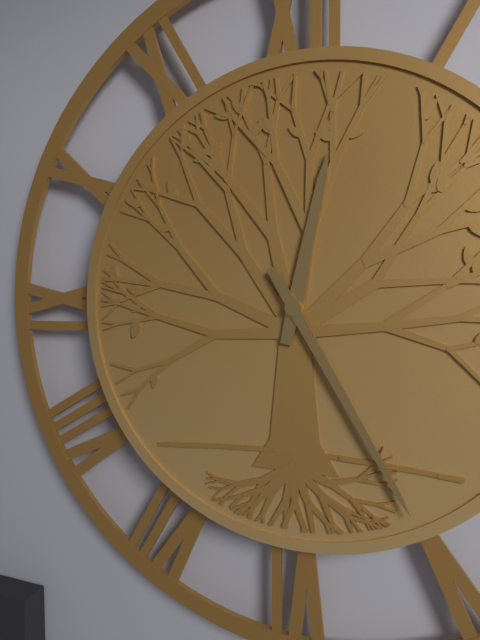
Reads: h=12 m=25
